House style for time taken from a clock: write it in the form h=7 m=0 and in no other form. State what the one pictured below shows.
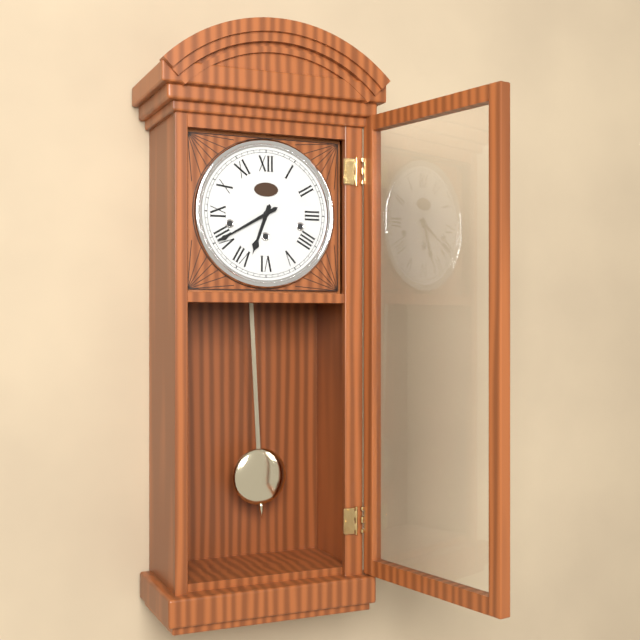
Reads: h=6 m=40
